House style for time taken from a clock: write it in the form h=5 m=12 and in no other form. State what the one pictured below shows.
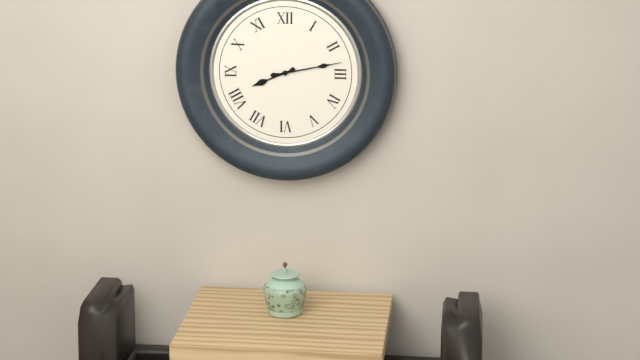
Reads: h=8 m=13
